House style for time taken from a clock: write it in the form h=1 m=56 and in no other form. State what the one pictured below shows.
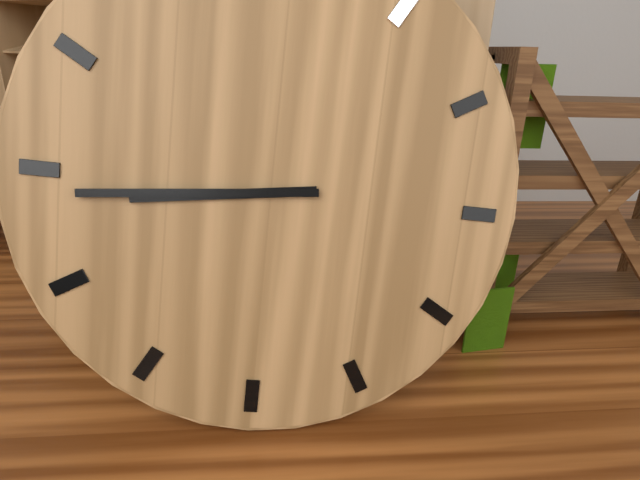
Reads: h=8 m=44
